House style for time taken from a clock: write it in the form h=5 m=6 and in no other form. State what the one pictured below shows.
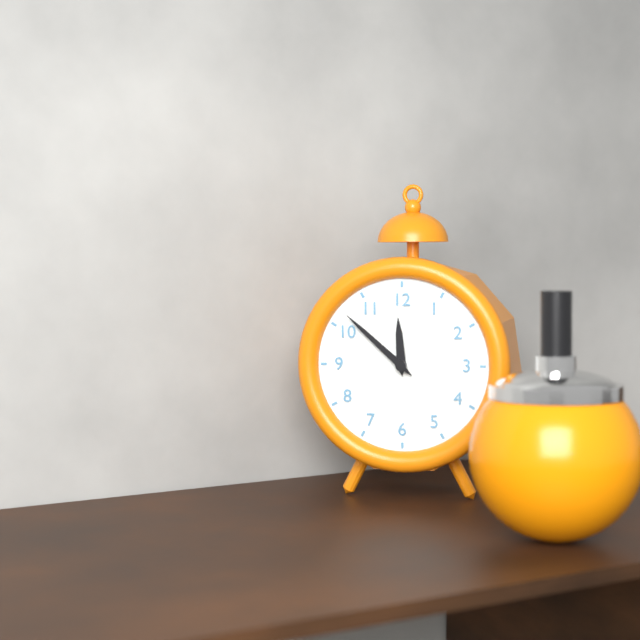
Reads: h=11 m=52
